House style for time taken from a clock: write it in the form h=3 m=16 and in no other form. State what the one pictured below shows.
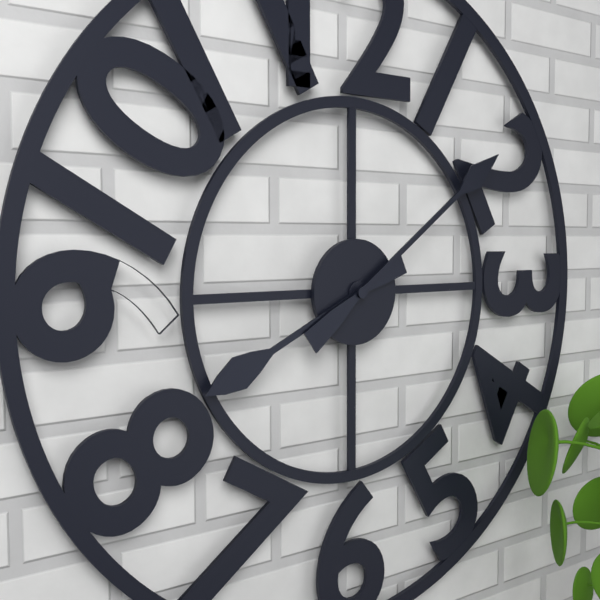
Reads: h=8 m=9
